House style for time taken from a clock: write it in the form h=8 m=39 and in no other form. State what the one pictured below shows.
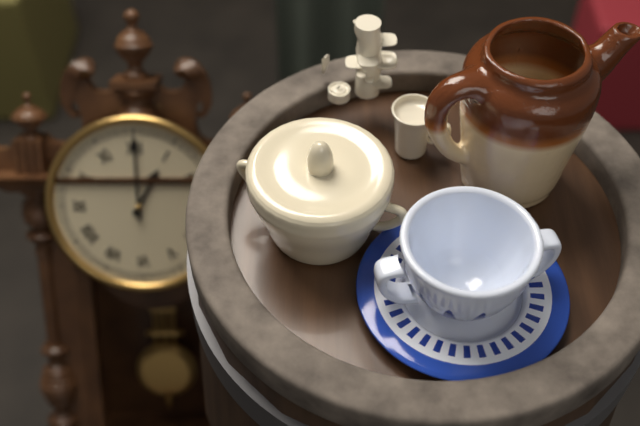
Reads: h=1 m=0
